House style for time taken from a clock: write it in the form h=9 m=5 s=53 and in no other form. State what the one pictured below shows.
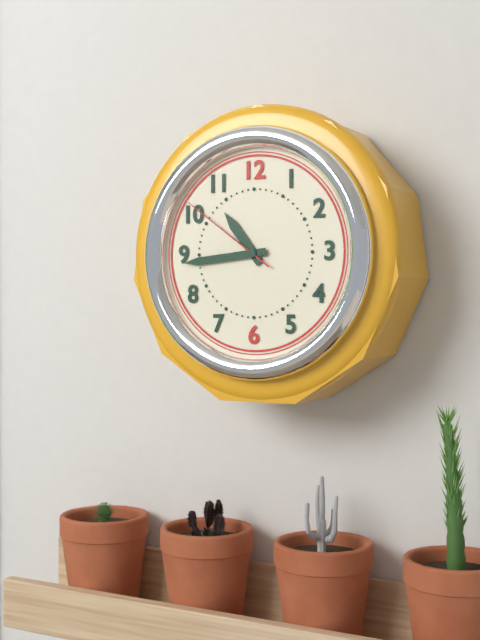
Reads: h=10 m=44 s=51
